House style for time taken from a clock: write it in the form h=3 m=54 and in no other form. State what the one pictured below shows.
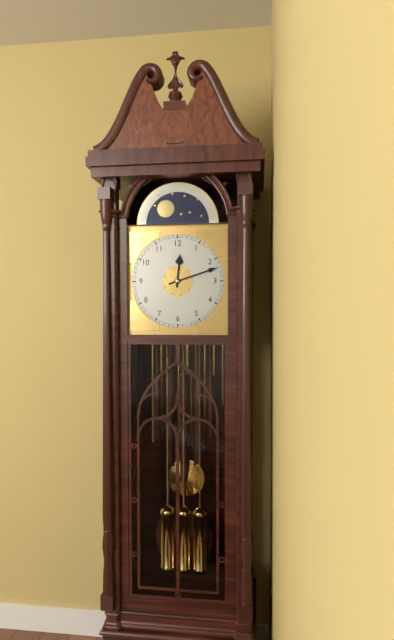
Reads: h=12 m=12
